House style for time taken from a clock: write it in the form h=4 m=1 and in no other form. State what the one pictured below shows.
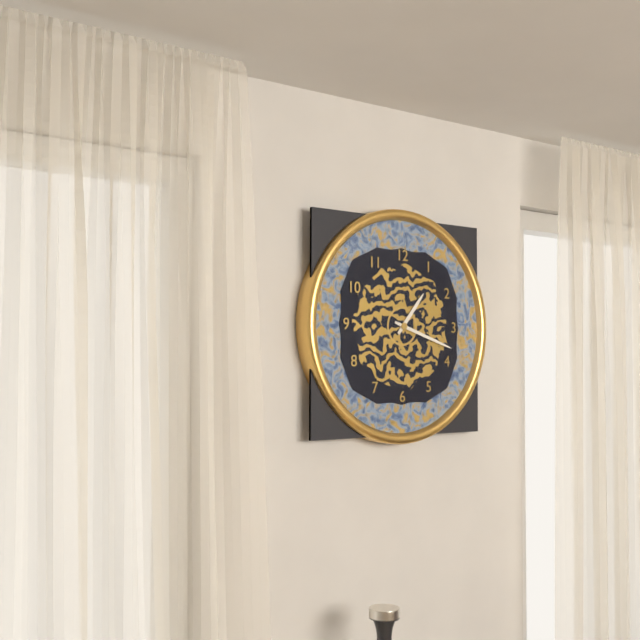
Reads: h=1 m=18
